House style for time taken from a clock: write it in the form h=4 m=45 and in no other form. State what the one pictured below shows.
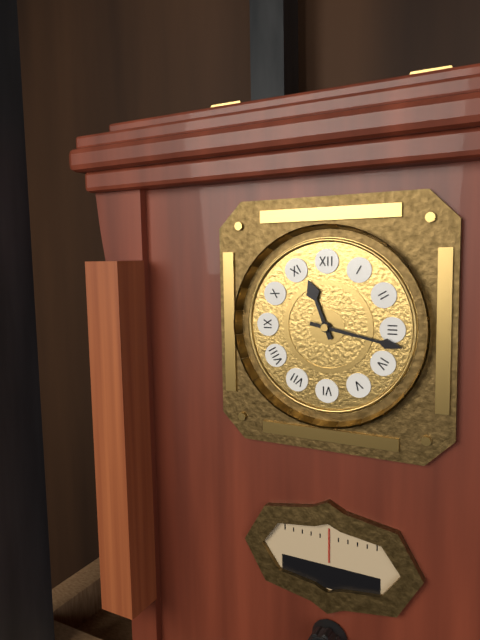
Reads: h=11 m=17
